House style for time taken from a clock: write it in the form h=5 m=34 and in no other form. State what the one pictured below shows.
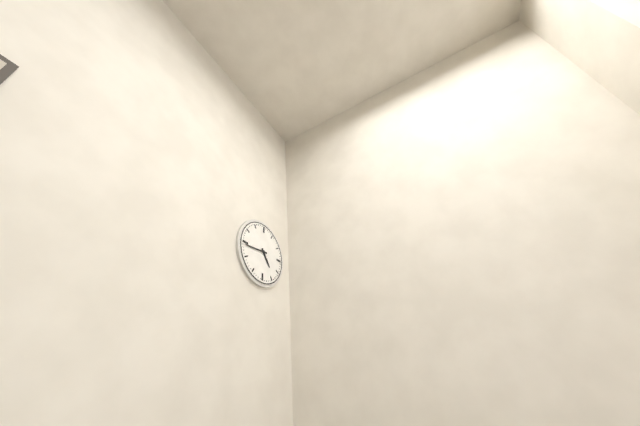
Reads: h=4 m=44
